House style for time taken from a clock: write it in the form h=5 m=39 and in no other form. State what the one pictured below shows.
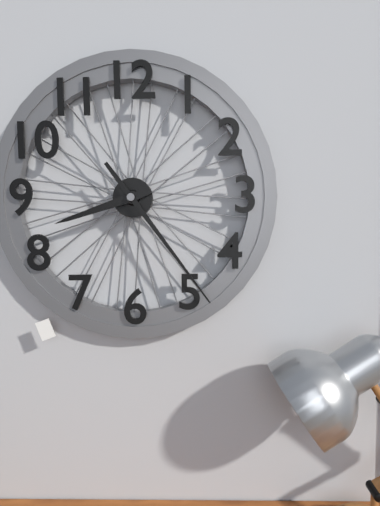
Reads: h=8 m=24
